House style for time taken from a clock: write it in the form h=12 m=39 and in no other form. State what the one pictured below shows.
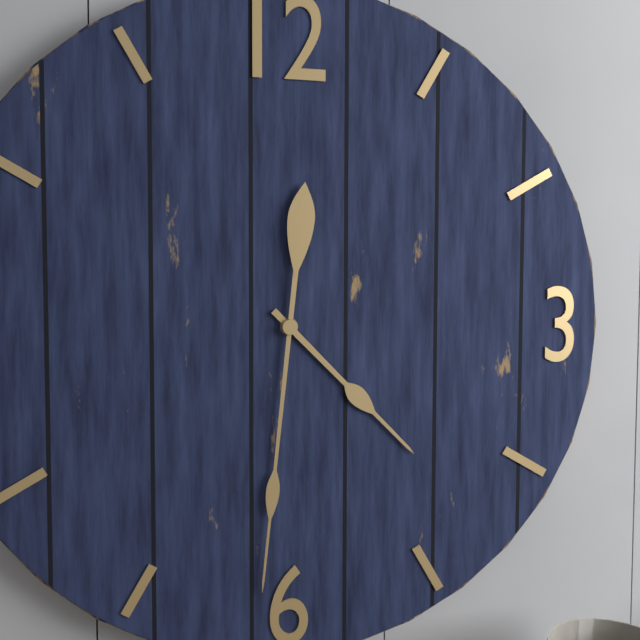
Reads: h=4 m=31
